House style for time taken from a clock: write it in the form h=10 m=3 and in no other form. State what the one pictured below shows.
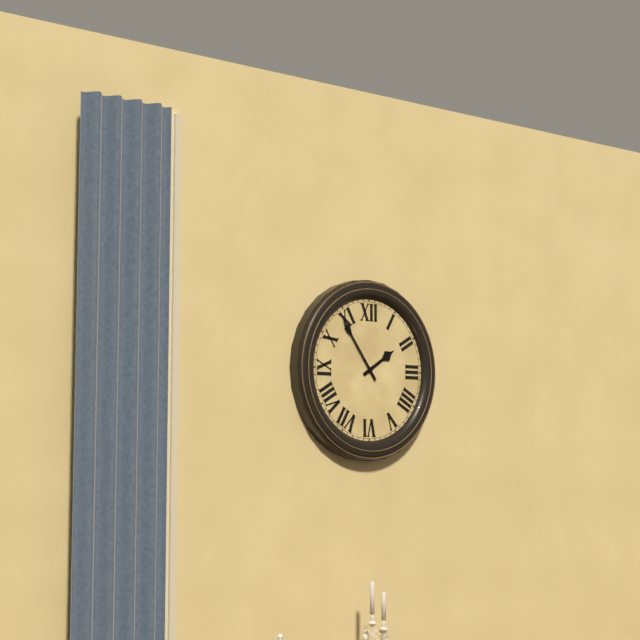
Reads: h=1 m=54
